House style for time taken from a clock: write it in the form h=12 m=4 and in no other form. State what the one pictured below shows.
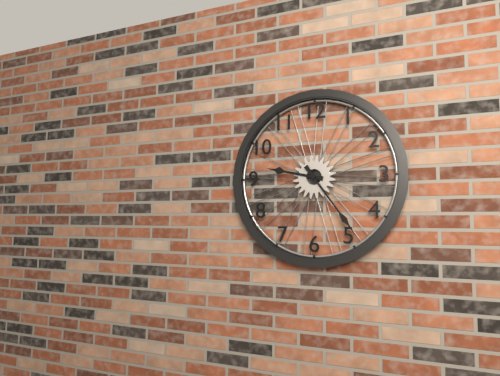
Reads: h=9 m=24
